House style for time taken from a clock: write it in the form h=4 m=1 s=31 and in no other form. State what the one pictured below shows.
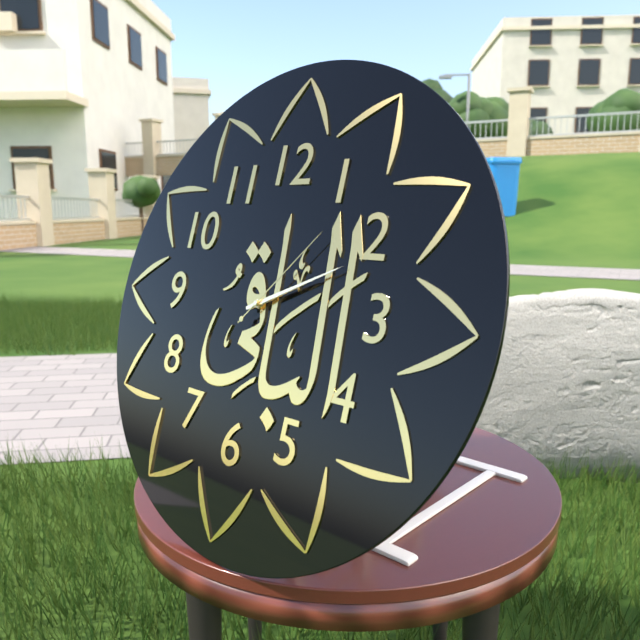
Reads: h=2 m=11 s=7
